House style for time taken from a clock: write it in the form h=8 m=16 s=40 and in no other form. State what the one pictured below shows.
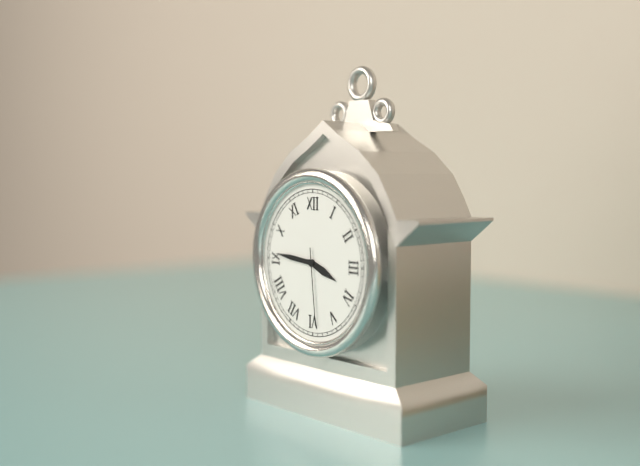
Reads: h=3 m=46 s=29
